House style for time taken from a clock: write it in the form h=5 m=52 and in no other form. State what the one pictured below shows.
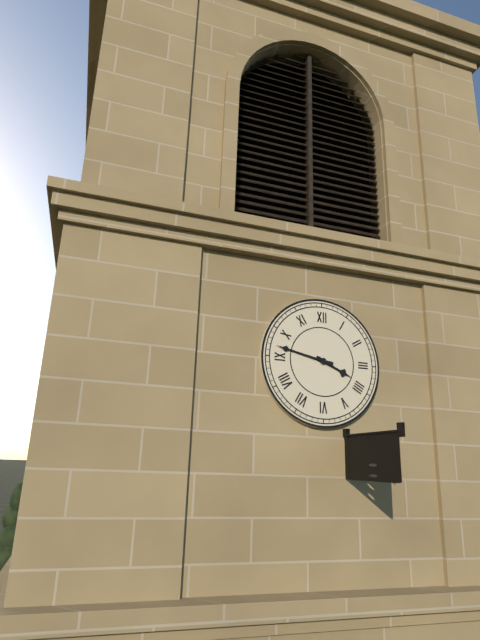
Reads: h=3 m=47
